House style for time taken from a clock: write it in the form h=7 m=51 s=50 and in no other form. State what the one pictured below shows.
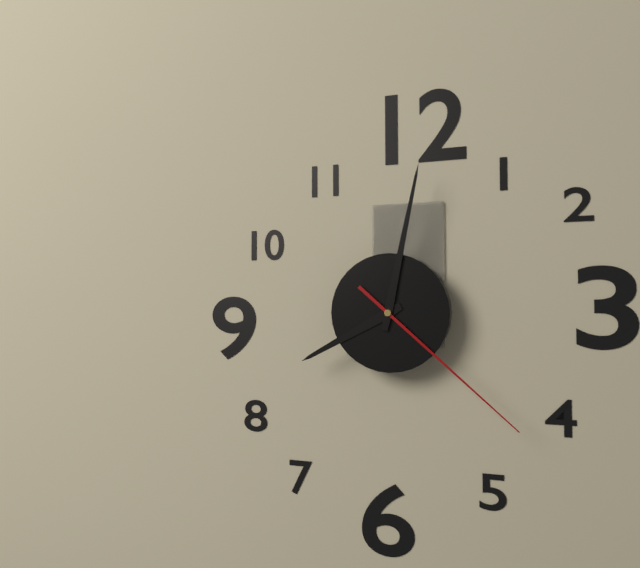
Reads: h=8 m=2 s=22
